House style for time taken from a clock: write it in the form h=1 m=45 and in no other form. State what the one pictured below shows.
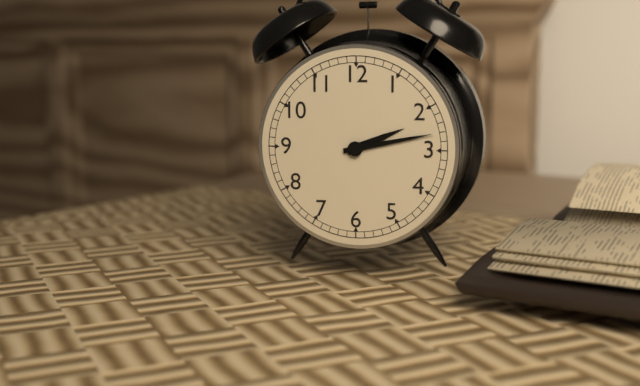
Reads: h=2 m=13
